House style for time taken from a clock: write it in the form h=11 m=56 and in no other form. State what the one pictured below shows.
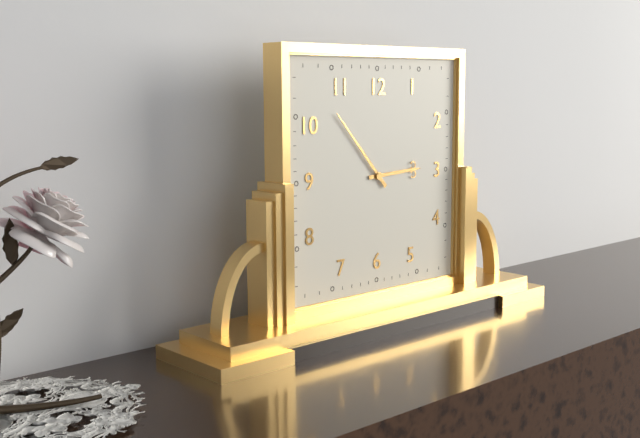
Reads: h=2 m=53
